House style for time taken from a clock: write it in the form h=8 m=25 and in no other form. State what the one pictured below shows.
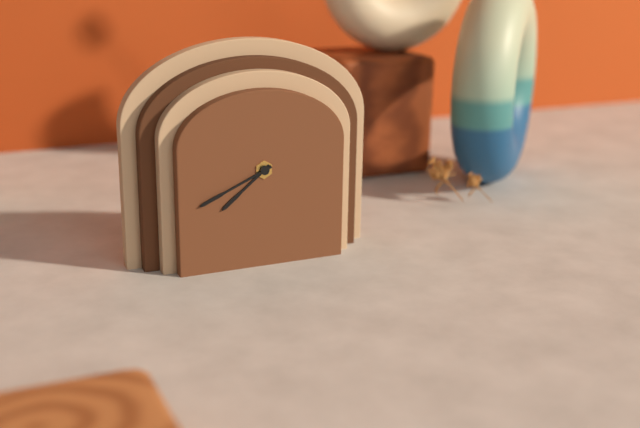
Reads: h=7 m=41
